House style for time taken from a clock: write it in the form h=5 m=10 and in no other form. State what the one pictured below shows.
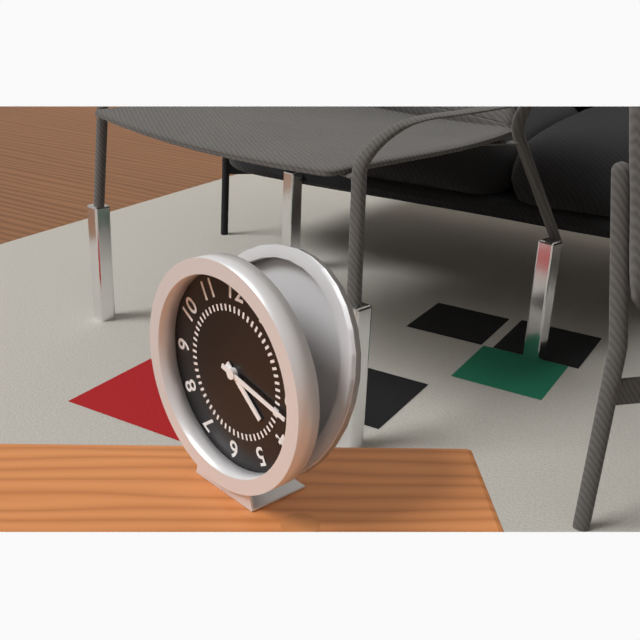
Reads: h=4 m=17
